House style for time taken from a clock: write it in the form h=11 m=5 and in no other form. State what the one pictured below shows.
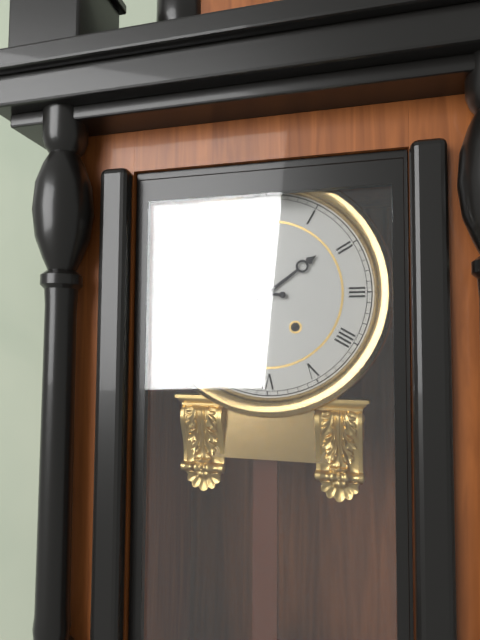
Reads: h=1 m=46
